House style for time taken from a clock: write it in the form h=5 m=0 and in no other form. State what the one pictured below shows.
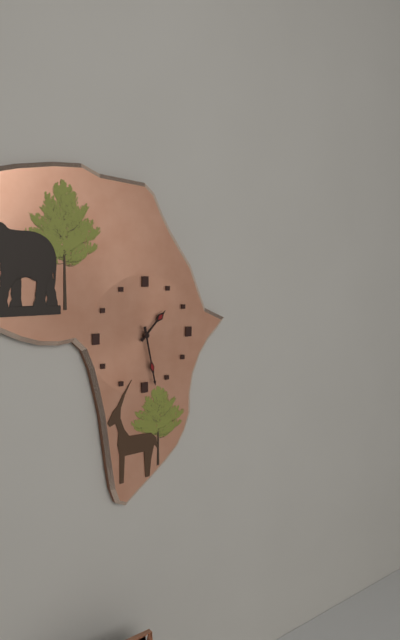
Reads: h=1 m=28
